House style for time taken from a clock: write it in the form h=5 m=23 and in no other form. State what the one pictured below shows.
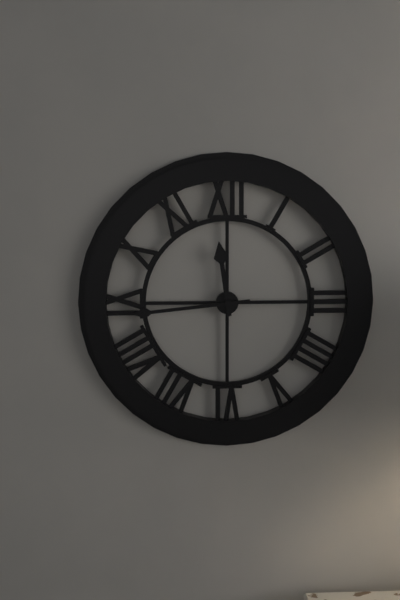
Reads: h=11 m=44
